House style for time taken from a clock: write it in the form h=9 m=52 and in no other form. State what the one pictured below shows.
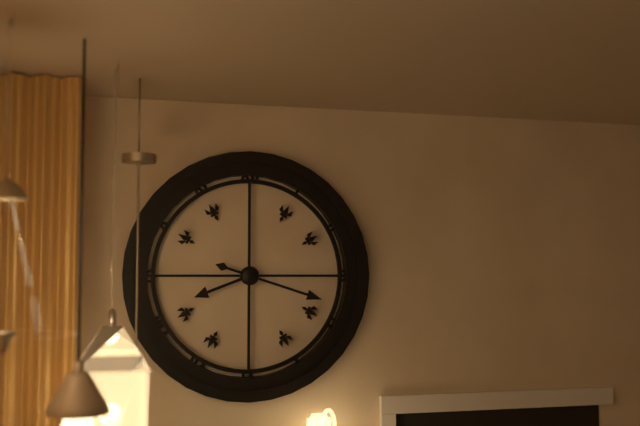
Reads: h=8 m=18
